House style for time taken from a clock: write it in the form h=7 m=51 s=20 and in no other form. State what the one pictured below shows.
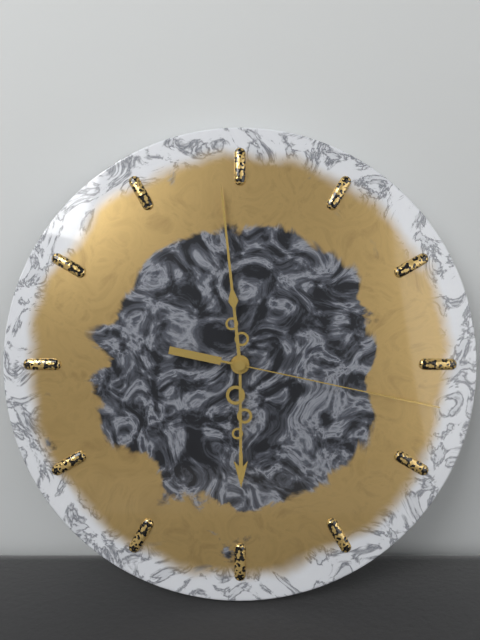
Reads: h=5 m=59 s=17
